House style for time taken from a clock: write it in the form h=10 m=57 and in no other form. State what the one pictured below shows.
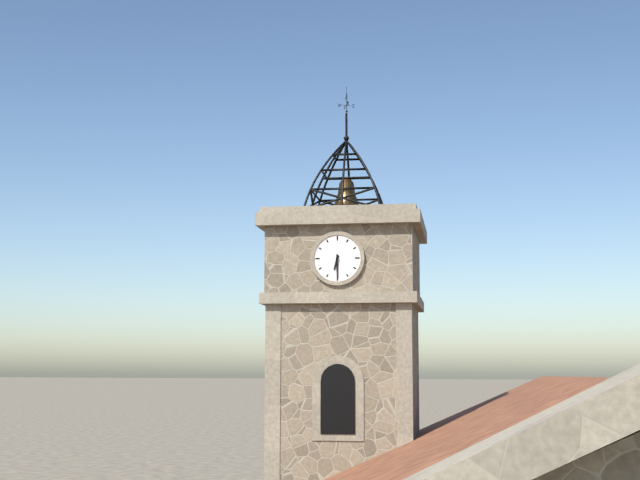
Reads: h=6 m=30
